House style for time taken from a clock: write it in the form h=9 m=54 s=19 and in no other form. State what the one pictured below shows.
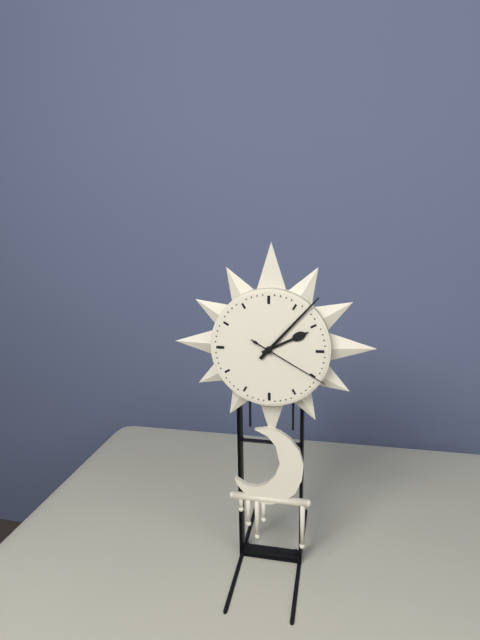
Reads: h=2 m=7 s=20
